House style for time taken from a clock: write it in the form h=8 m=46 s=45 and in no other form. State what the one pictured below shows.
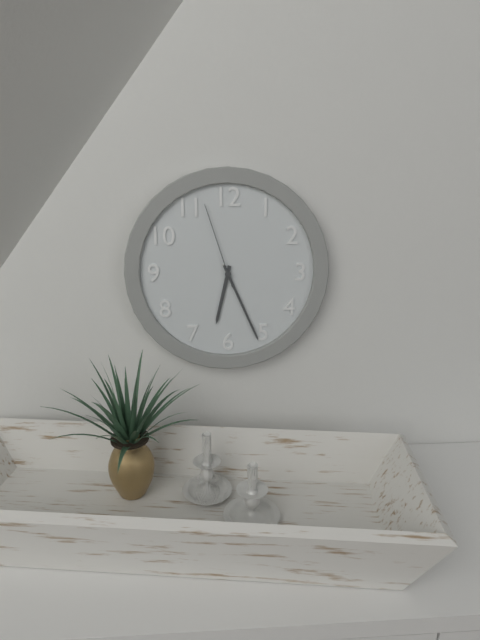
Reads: h=6 m=26 s=57
